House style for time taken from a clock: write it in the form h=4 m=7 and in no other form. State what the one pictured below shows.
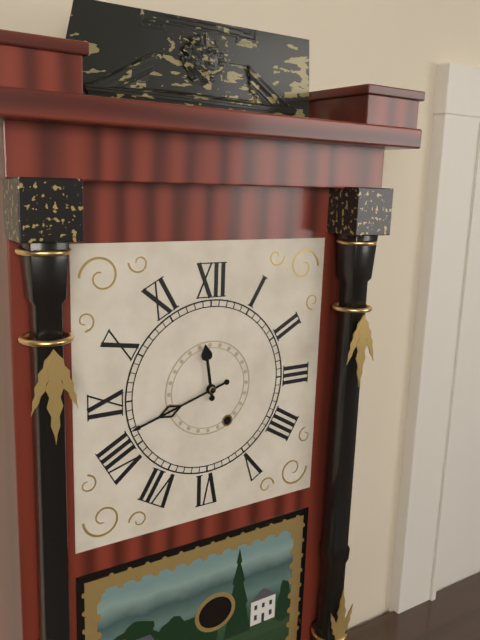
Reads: h=11 m=42
